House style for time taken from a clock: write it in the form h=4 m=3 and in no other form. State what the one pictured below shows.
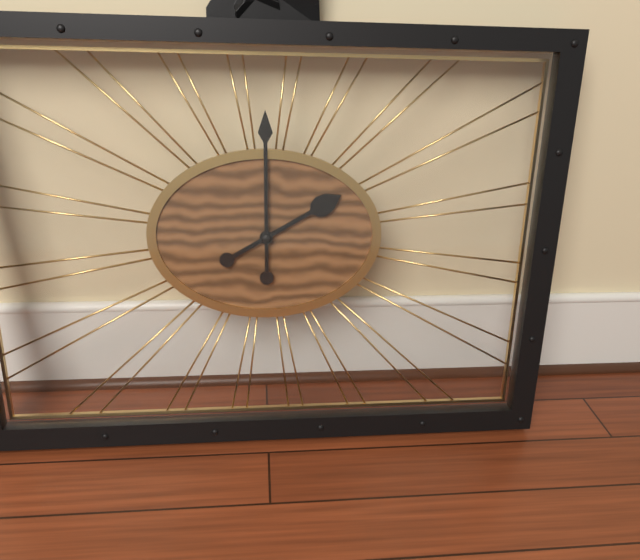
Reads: h=2 m=0
